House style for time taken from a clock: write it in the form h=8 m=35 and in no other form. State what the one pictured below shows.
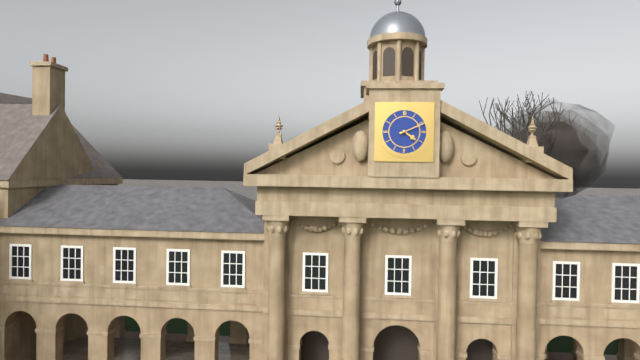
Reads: h=4 m=11
